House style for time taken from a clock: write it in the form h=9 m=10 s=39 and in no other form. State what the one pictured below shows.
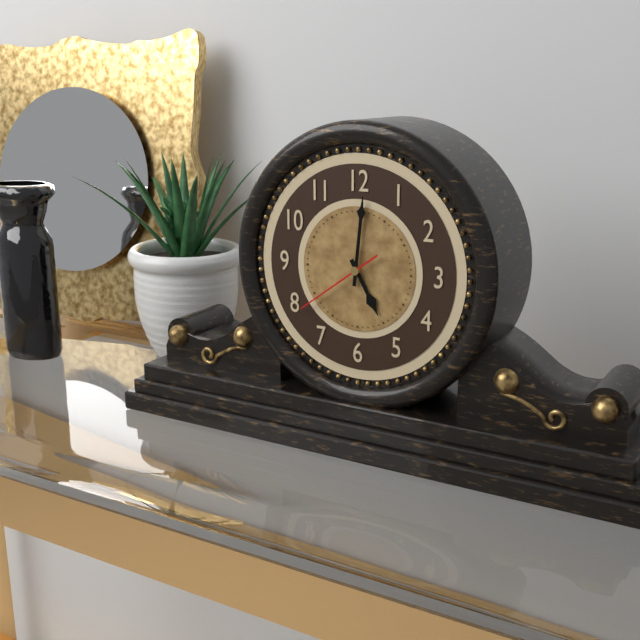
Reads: h=5 m=1 s=39
